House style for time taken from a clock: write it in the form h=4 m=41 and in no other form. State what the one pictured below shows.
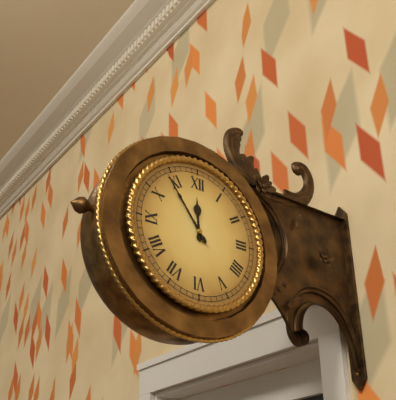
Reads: h=11 m=54
